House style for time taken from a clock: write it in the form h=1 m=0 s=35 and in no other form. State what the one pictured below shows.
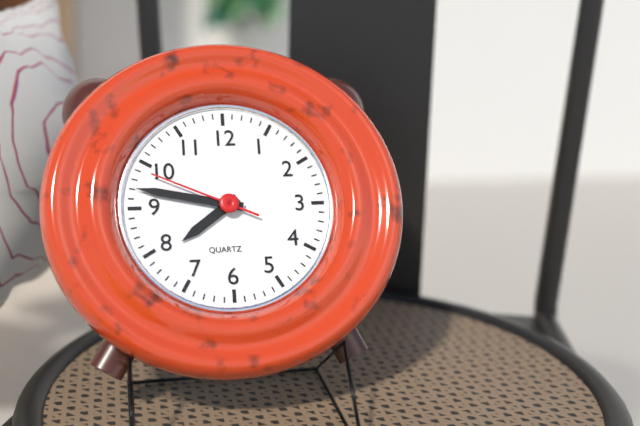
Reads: h=7 m=47 s=49
